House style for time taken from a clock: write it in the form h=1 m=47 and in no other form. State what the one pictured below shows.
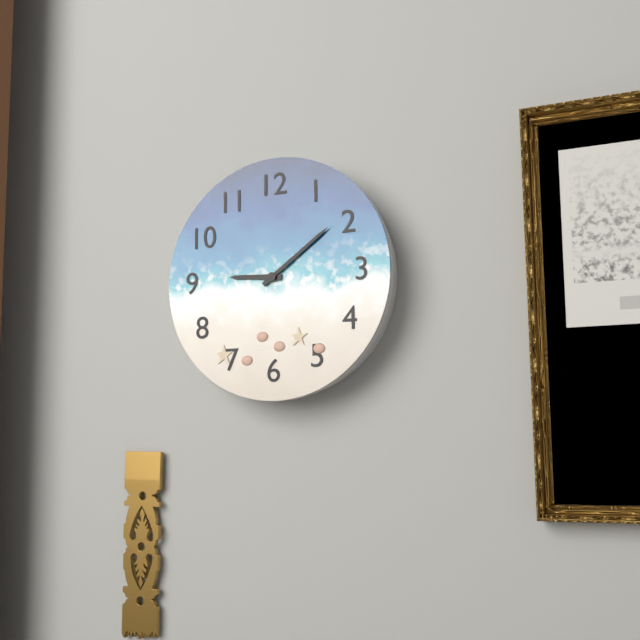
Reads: h=9 m=9
